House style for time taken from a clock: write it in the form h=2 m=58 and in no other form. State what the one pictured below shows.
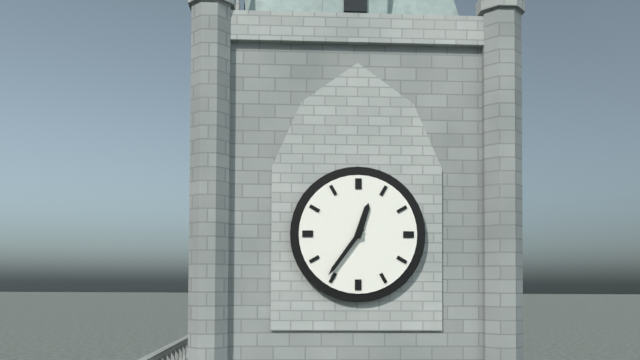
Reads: h=12 m=36
